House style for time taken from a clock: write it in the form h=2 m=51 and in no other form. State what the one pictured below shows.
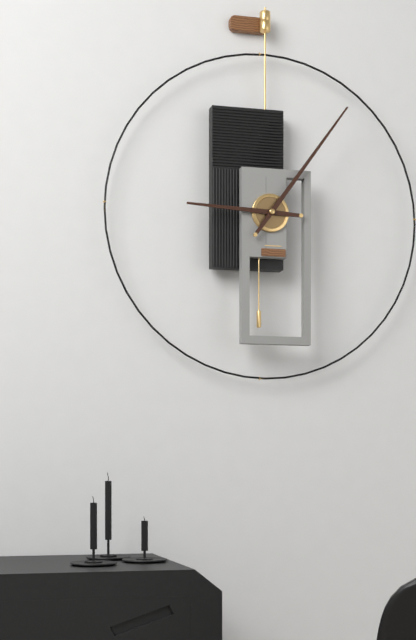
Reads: h=9 m=6
